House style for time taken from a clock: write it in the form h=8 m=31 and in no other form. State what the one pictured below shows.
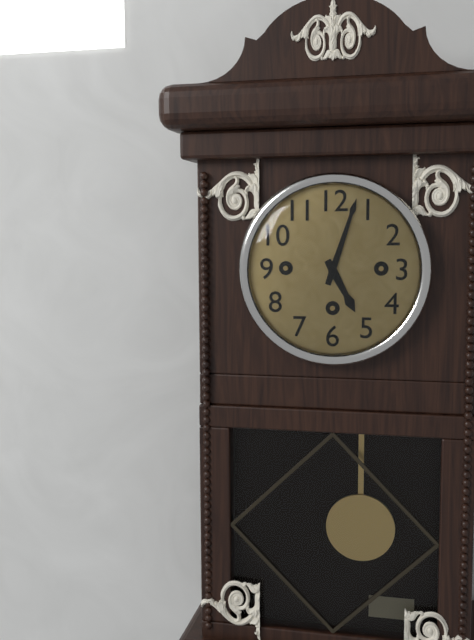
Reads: h=5 m=3
